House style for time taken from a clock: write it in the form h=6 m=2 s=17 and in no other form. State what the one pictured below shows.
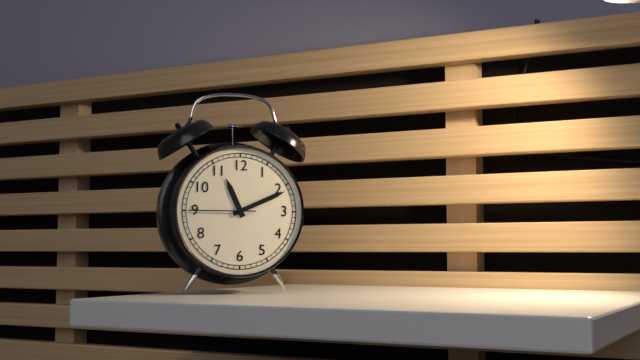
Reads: h=11 m=11 s=45
